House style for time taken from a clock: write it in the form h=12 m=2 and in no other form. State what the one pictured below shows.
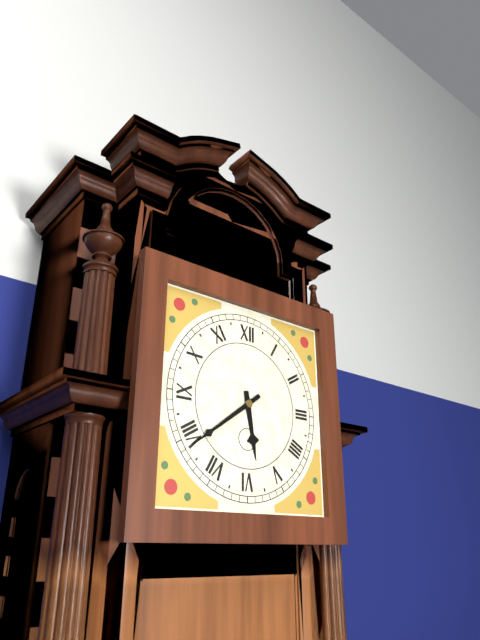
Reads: h=5 m=39
